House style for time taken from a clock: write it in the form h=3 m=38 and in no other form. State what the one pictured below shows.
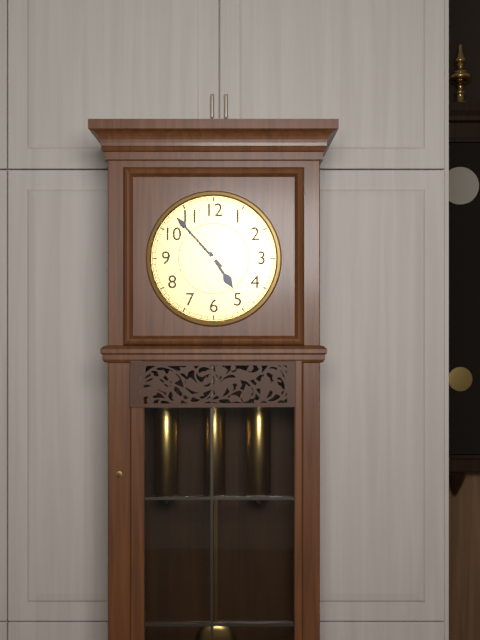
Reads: h=4 m=53
